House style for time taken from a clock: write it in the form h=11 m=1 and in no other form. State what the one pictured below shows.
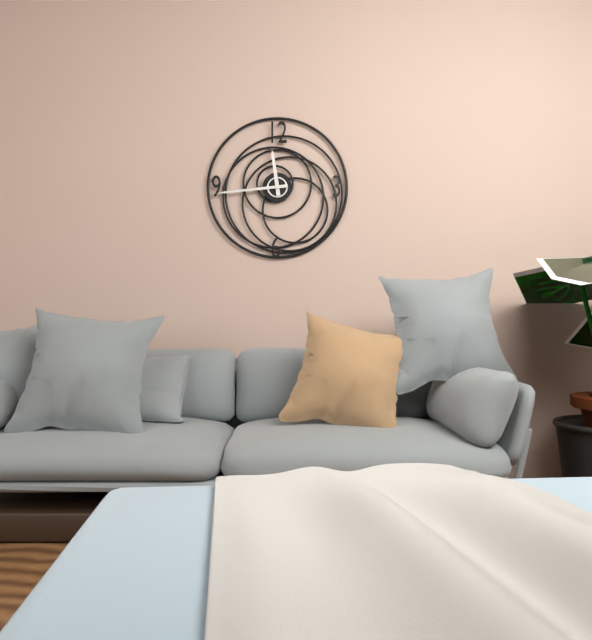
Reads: h=11 m=44
